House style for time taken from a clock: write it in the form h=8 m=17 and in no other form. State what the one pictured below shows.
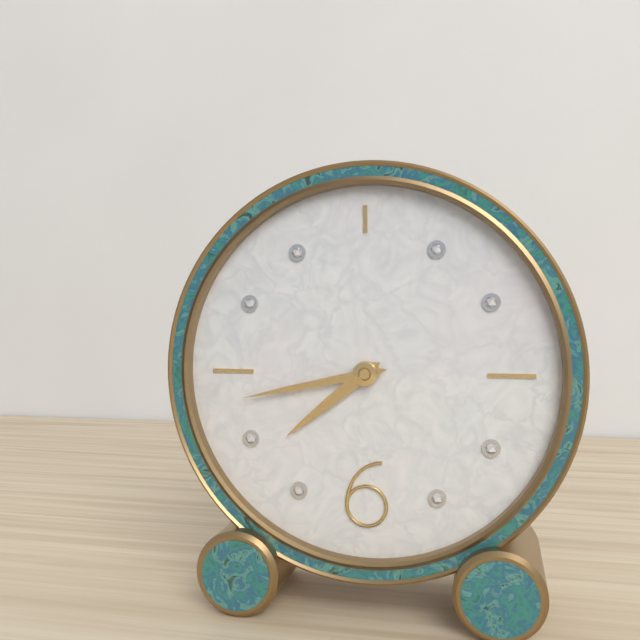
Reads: h=7 m=43
